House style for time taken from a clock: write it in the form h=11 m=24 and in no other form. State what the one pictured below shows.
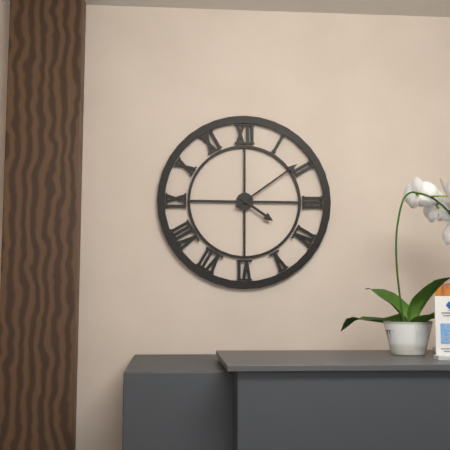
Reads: h=4 m=9
